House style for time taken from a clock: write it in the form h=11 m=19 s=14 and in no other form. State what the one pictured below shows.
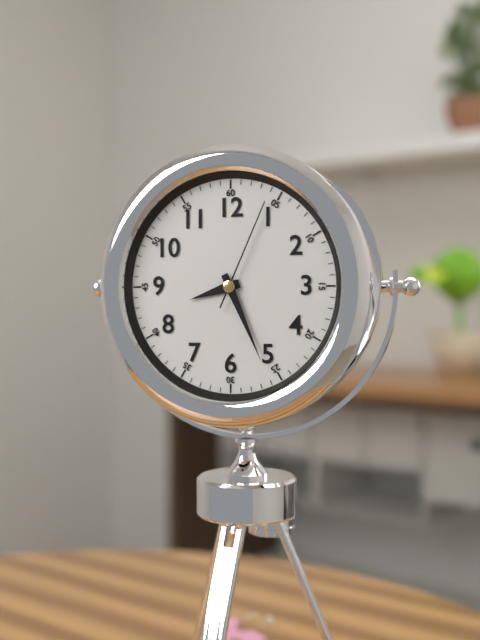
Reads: h=8 m=26 s=4
